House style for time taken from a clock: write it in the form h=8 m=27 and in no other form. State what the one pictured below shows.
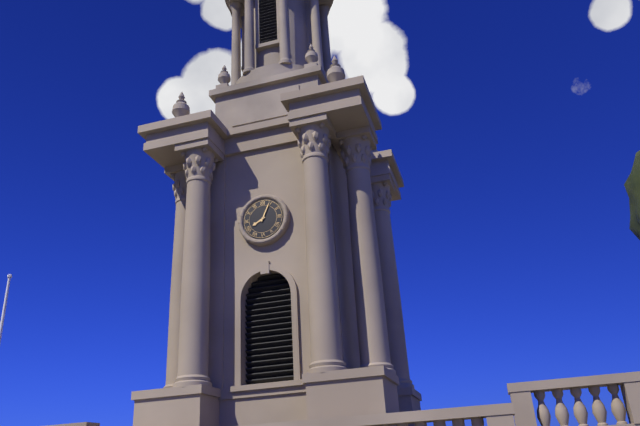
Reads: h=8 m=4
